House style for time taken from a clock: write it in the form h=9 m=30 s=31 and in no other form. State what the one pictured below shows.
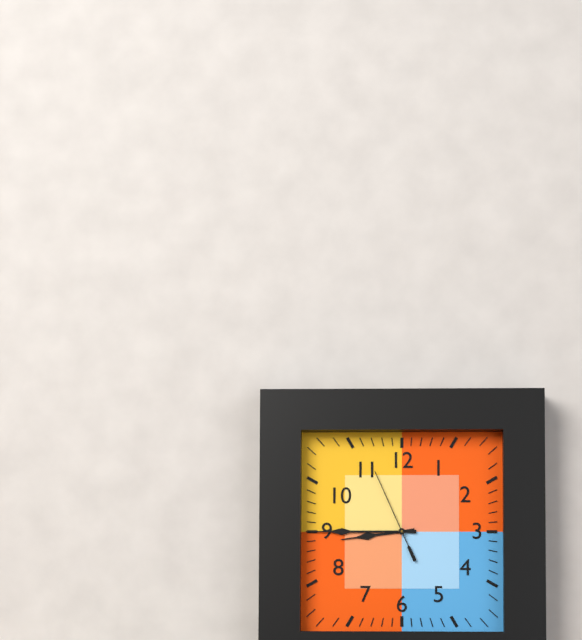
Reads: h=8 m=45 s=56
